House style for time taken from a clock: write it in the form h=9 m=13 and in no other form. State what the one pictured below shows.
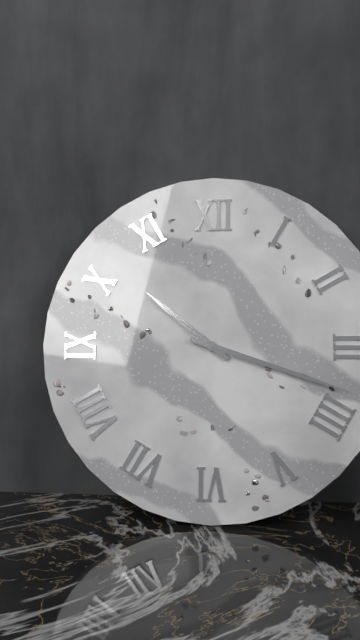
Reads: h=10 m=18
